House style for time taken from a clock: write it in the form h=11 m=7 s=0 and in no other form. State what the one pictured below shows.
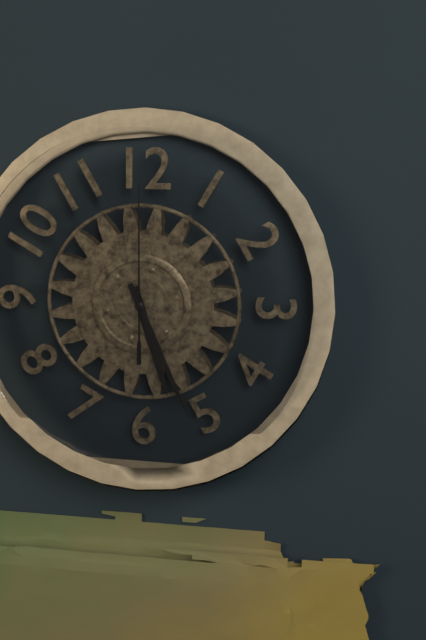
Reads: h=5 m=26 s=0
